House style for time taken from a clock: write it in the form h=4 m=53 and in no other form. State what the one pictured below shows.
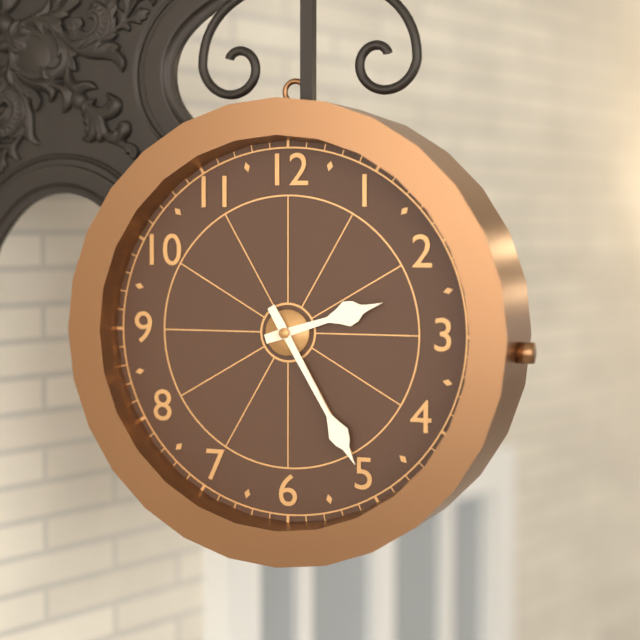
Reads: h=2 m=25
